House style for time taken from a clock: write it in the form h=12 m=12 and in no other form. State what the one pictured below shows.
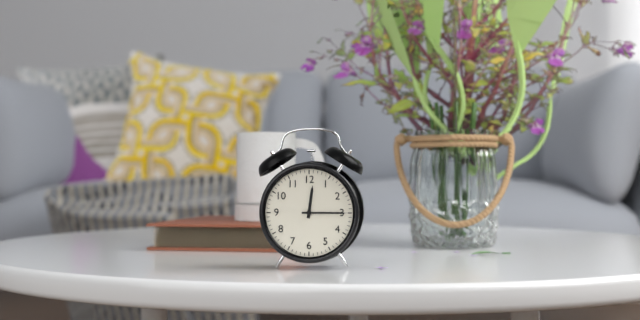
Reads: h=12 m=15
